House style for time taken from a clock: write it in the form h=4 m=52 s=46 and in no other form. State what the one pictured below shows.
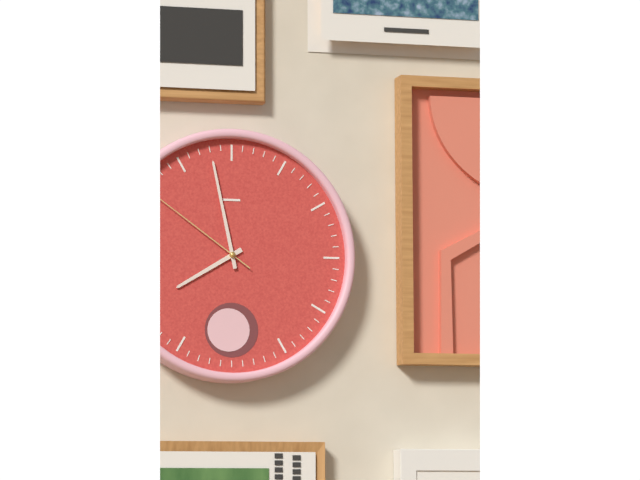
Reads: h=7 m=58 s=51
